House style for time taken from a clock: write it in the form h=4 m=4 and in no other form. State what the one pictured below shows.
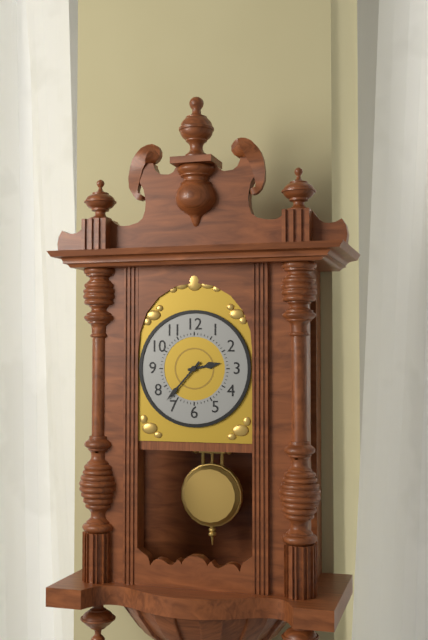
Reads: h=2 m=37
